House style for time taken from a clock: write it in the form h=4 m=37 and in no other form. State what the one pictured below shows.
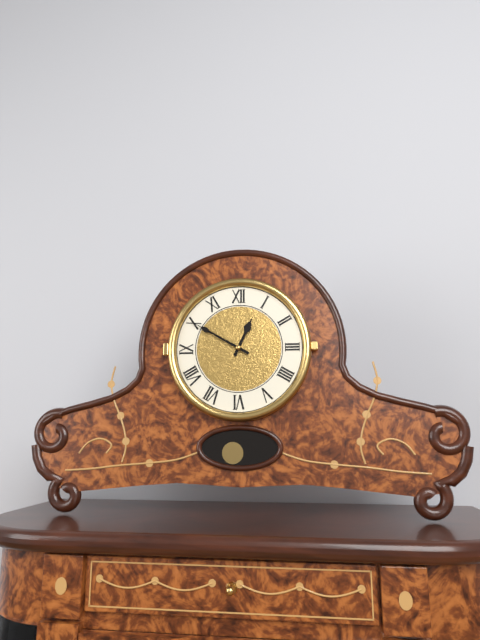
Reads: h=12 m=50
